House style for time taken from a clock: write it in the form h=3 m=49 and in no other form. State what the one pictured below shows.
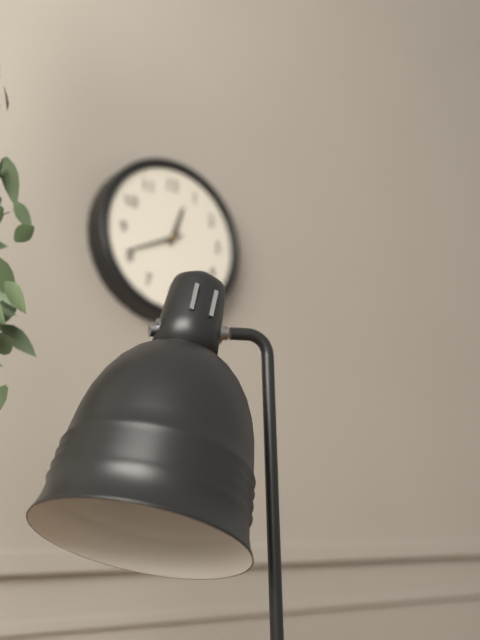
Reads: h=12 m=41
